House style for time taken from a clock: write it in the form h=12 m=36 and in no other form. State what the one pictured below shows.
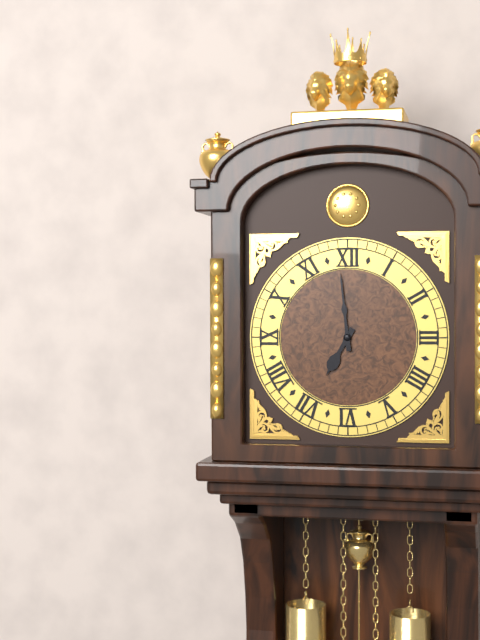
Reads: h=6 m=59
